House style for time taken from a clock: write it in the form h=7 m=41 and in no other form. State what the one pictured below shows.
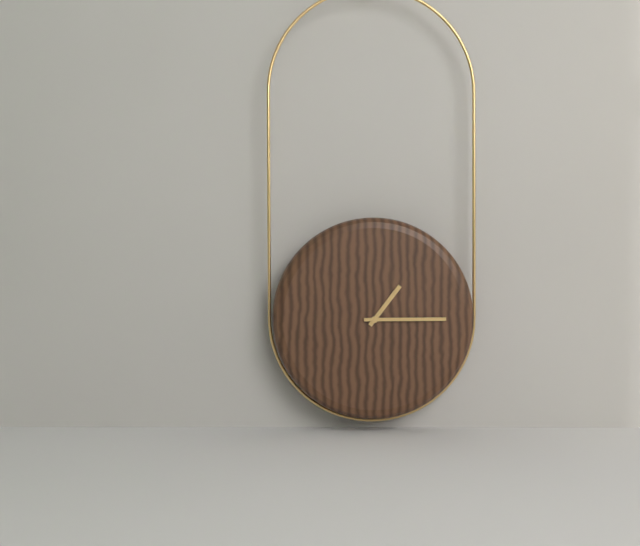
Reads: h=1 m=15
